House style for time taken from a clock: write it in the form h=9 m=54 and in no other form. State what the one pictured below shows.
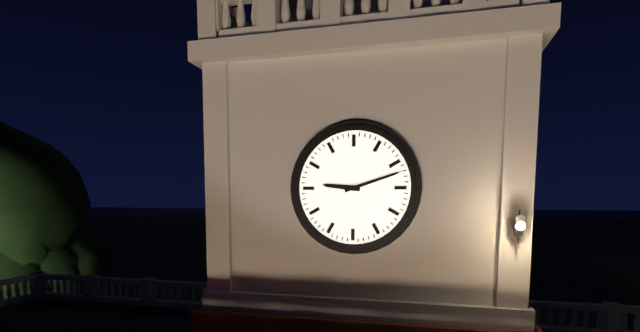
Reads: h=9 m=12
